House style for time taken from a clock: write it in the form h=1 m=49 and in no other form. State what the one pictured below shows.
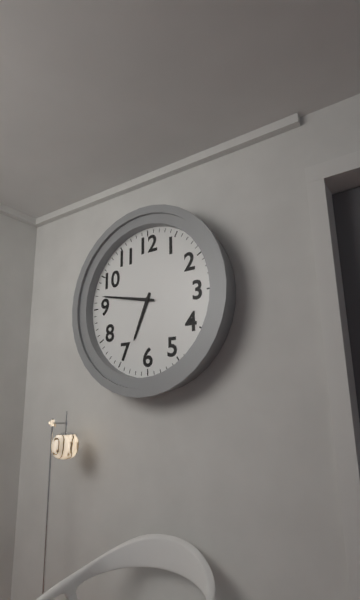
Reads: h=6 m=47
